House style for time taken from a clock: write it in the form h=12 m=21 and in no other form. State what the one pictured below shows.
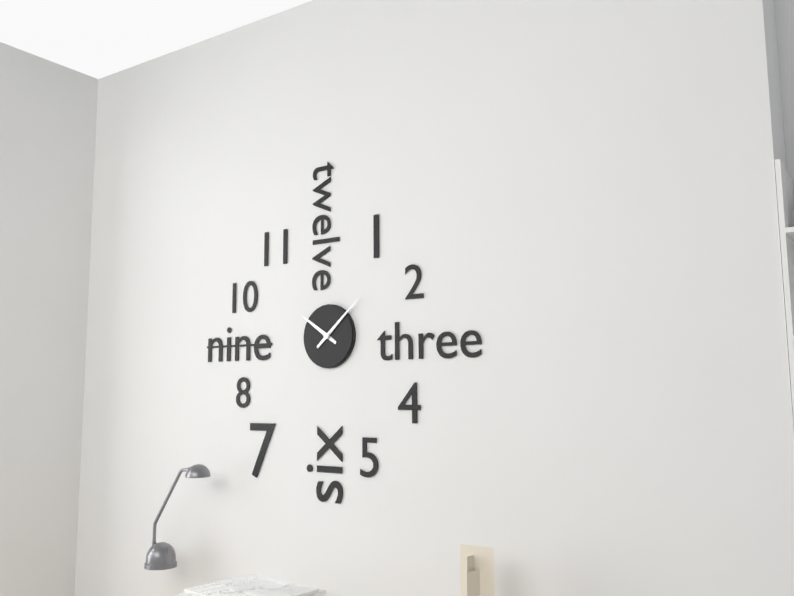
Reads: h=10 m=8
